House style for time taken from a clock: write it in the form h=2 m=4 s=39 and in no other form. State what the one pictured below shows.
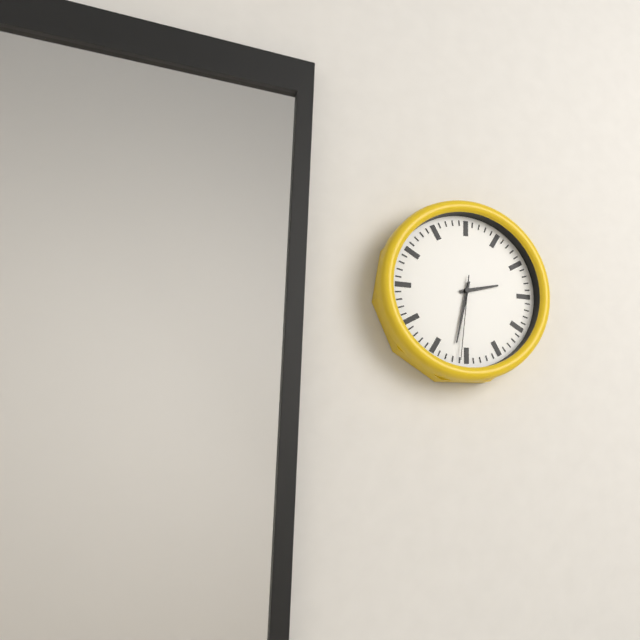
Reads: h=2 m=32 s=31
